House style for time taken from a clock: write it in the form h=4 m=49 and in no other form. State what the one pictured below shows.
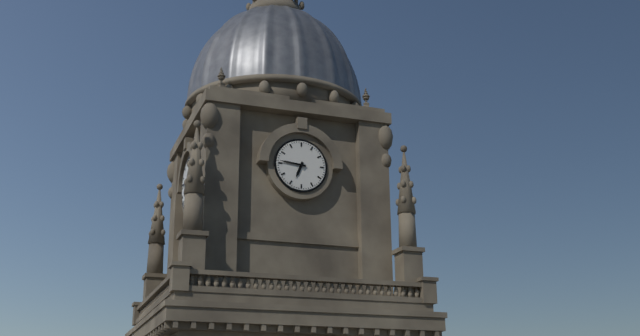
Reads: h=6 m=46
